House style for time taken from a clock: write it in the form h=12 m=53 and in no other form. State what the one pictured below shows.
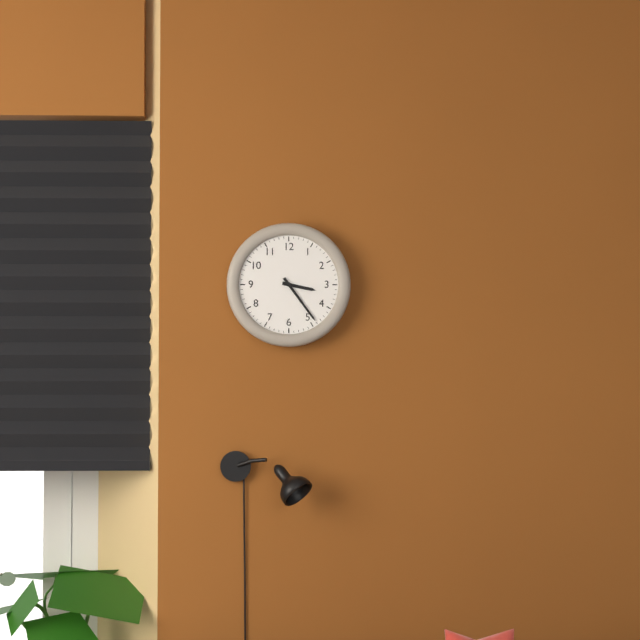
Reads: h=3 m=24
